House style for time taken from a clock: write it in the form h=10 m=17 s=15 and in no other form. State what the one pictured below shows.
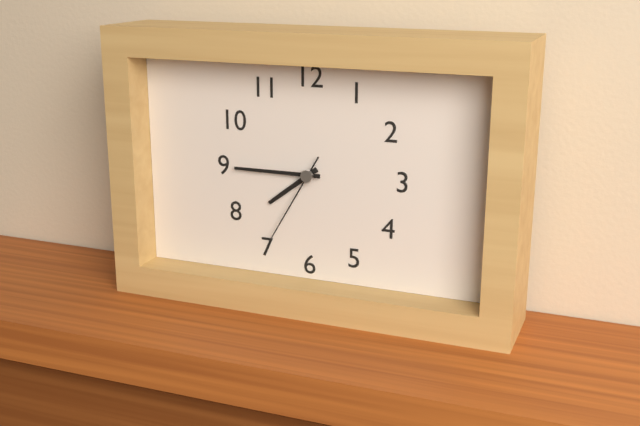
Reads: h=7 m=45 s=35
